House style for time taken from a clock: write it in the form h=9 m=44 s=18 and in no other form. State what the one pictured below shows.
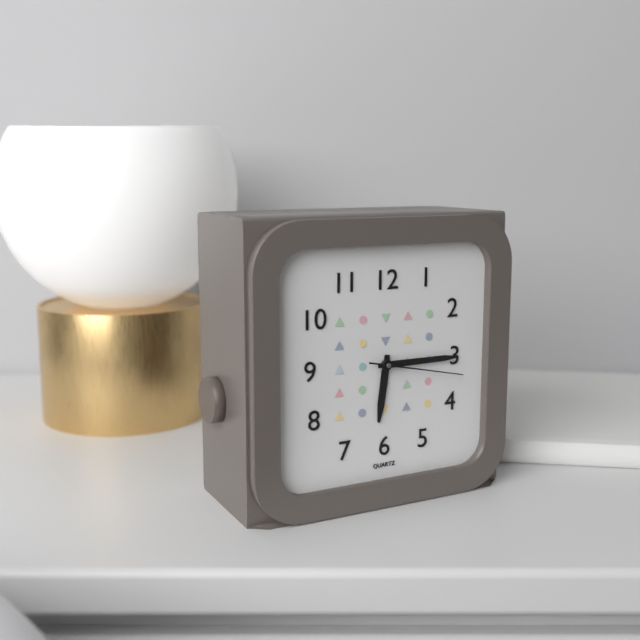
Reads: h=6 m=15 s=17
